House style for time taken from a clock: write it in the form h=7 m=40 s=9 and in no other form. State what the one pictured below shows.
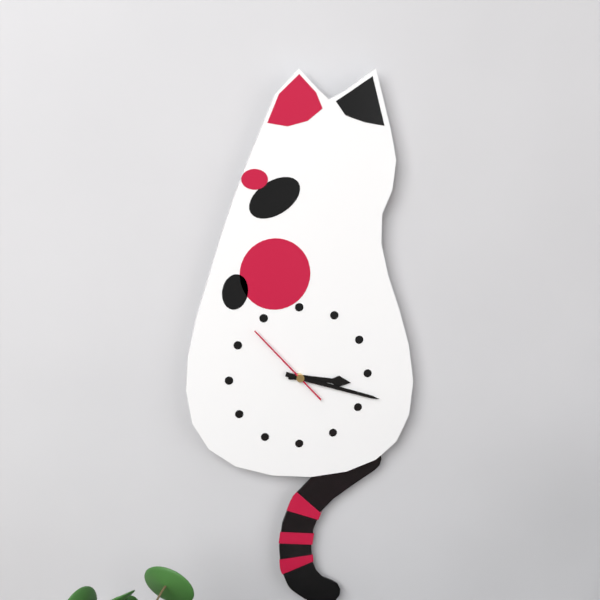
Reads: h=3 m=18 s=53
